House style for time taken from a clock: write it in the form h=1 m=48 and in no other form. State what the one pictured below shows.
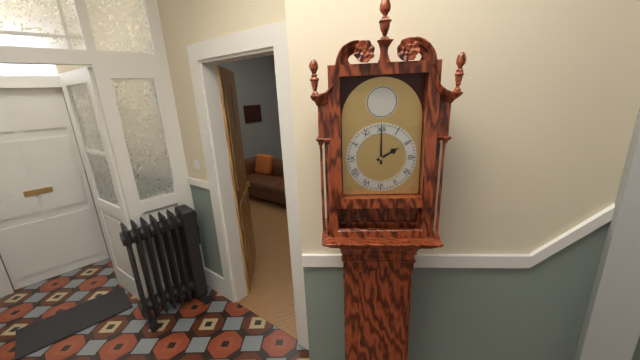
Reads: h=2 m=0
